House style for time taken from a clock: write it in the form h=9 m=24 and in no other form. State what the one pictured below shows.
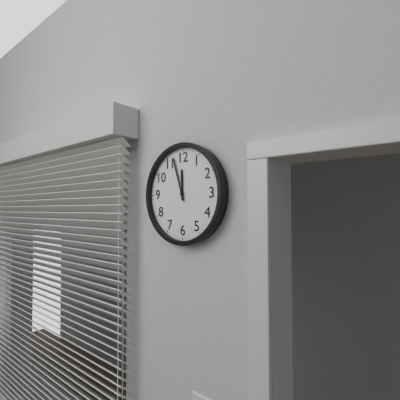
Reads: h=11 m=57
